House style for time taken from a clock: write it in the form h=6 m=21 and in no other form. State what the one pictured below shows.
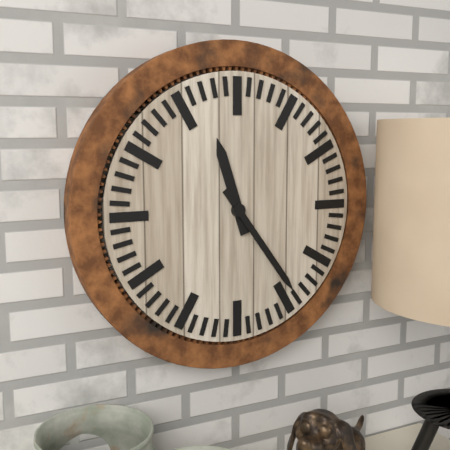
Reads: h=11 m=24
